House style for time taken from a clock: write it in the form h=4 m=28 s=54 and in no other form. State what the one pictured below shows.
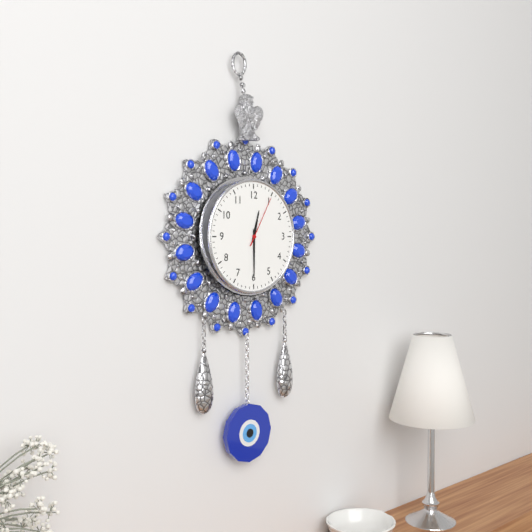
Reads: h=12 m=30 s=5
